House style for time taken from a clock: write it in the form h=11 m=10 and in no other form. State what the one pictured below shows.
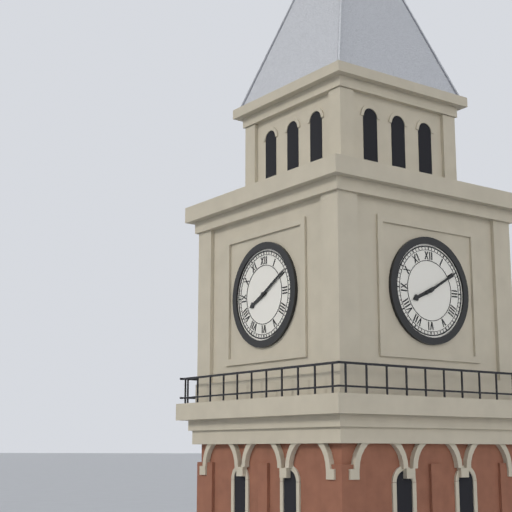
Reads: h=8 m=10
